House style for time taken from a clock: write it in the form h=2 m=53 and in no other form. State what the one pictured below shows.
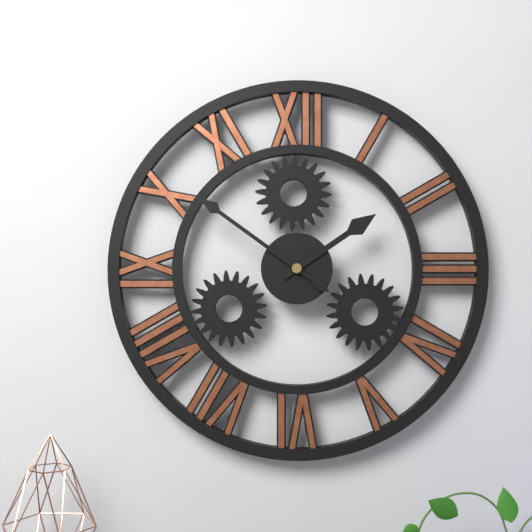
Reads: h=1 m=51
